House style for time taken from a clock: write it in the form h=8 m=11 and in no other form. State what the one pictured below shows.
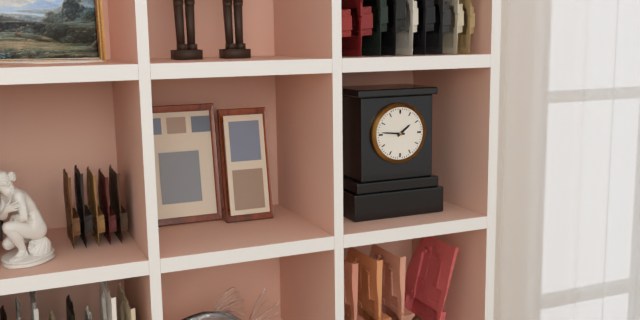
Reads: h=1 m=46
